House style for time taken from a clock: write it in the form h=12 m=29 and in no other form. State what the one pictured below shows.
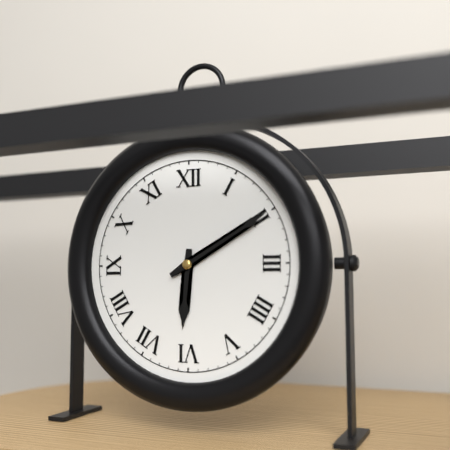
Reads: h=6 m=10
